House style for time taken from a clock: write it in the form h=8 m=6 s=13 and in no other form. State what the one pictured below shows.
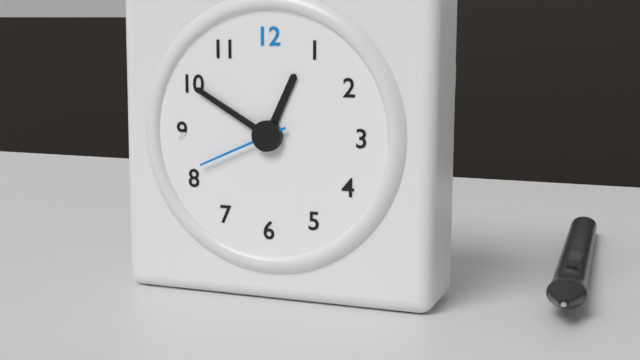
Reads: h=12 m=50 s=41
